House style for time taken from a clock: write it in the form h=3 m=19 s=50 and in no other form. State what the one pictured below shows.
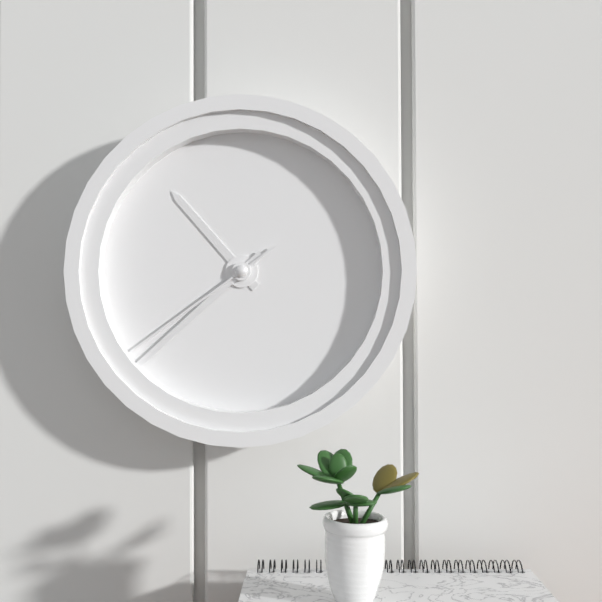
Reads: h=10 m=38 s=39
